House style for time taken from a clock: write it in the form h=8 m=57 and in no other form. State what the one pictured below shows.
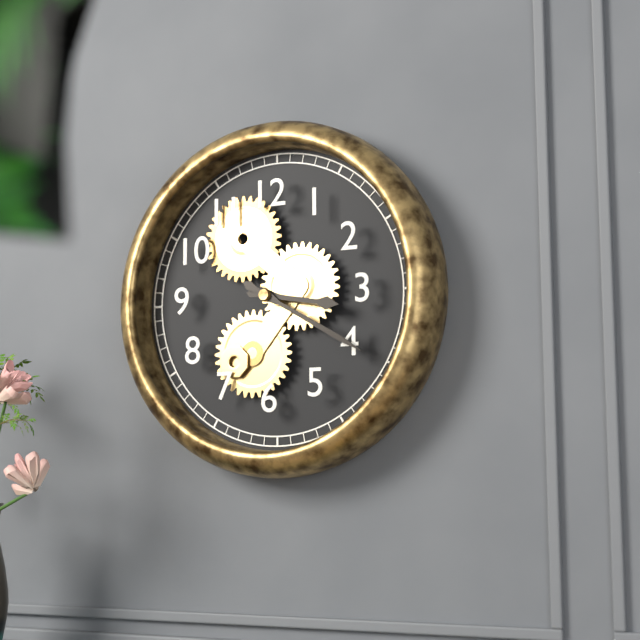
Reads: h=3 m=20
